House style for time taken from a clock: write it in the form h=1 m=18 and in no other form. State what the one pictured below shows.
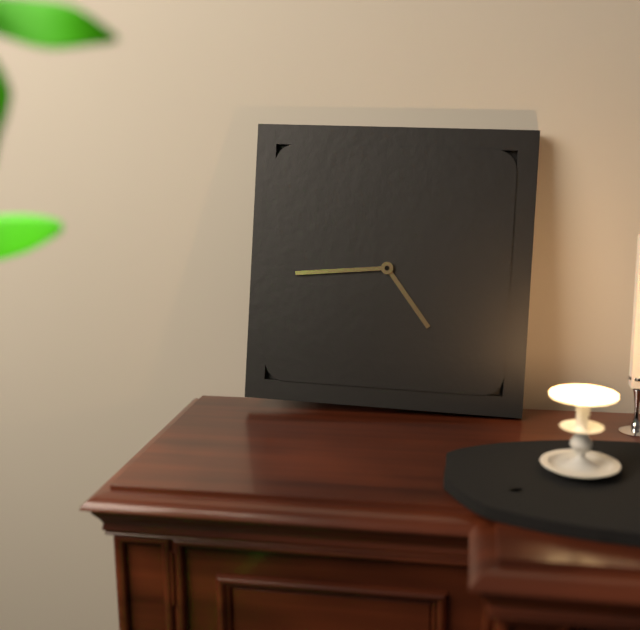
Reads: h=4 m=44
